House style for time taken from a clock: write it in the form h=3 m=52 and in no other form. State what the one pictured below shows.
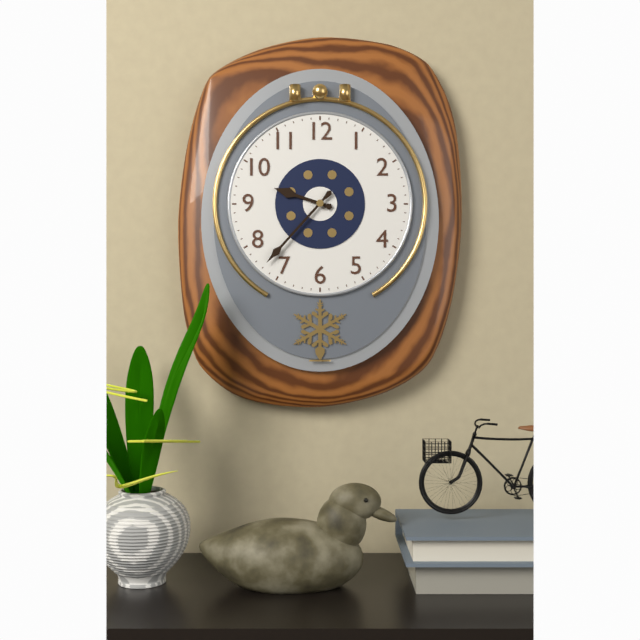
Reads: h=9 m=37
